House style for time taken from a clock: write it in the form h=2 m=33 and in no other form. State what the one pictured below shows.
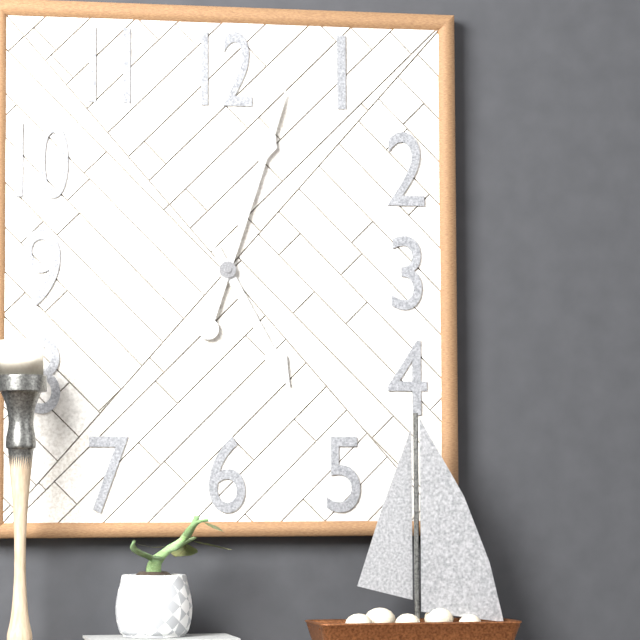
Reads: h=5 m=3
